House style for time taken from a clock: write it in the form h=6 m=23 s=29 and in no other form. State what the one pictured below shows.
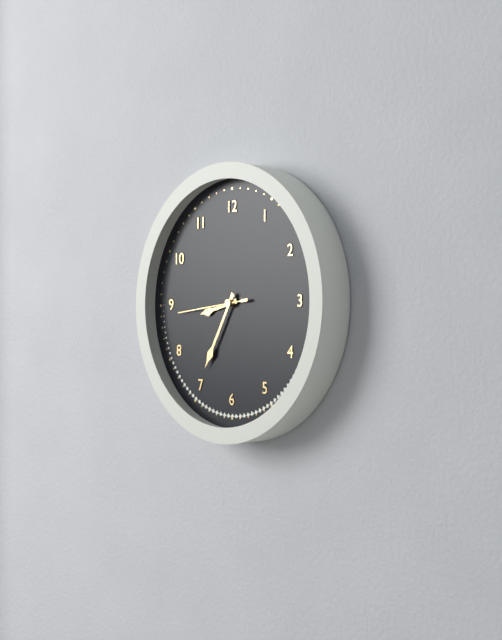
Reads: h=8 m=35 s=44
